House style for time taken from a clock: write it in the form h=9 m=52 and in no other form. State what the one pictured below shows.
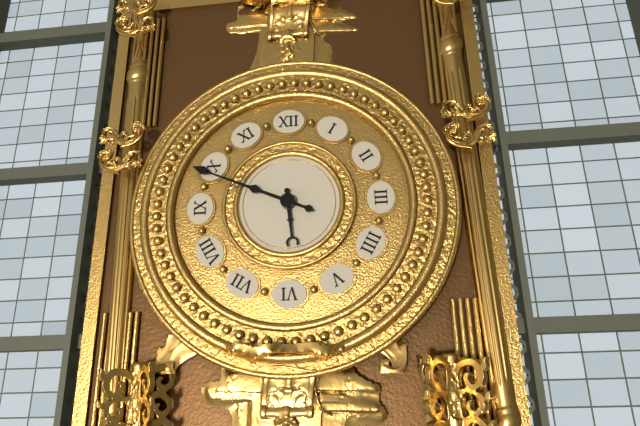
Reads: h=5 m=49
